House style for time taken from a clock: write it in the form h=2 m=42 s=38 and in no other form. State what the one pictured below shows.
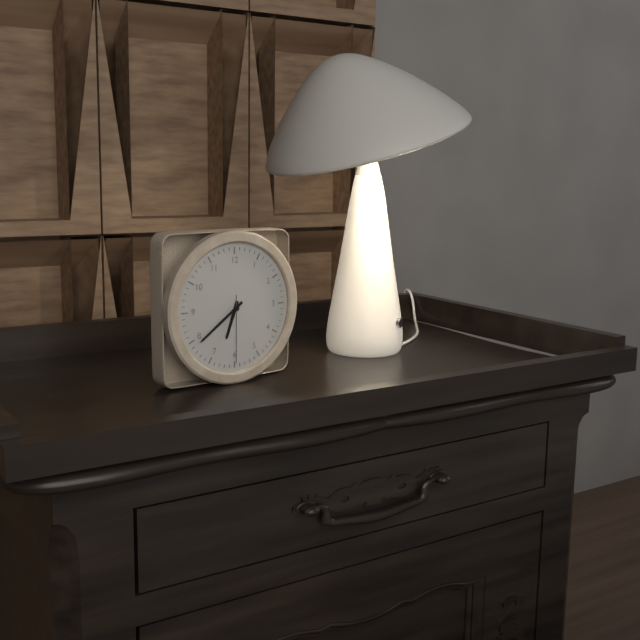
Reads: h=6 m=39 s=30
